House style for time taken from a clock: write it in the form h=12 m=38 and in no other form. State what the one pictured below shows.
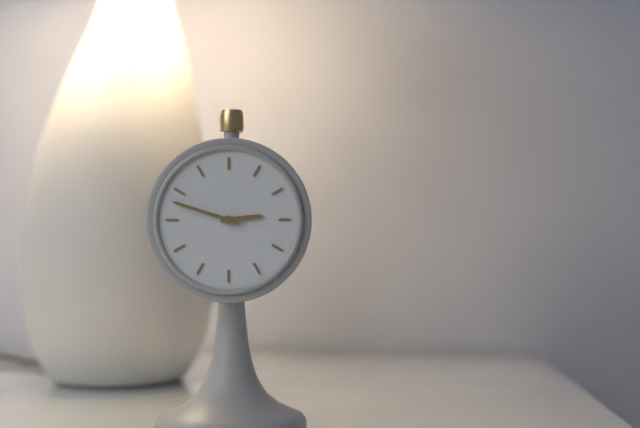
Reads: h=2 m=48
